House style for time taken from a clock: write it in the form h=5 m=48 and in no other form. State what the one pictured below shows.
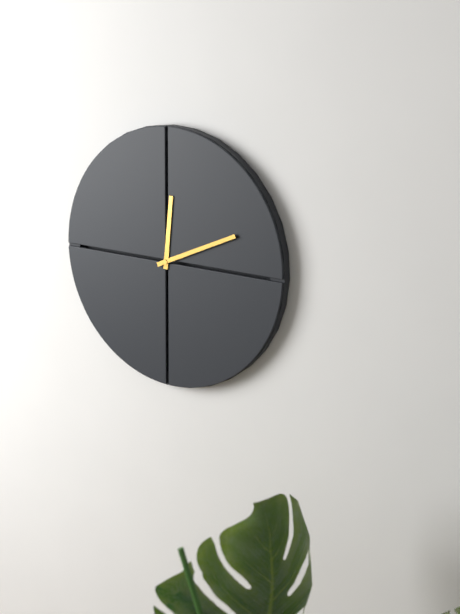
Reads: h=12 m=11
